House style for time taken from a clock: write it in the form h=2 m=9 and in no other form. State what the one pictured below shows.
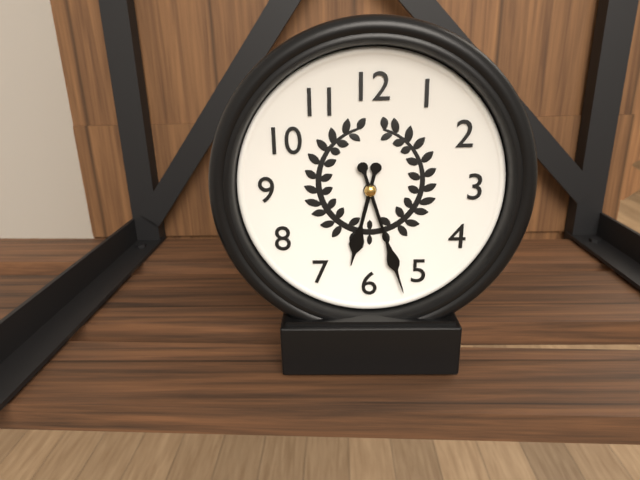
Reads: h=6 m=27
